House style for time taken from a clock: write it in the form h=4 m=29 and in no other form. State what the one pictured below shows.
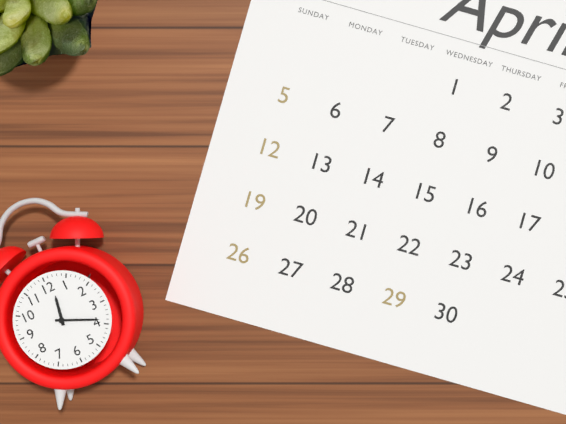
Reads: h=12 m=19
